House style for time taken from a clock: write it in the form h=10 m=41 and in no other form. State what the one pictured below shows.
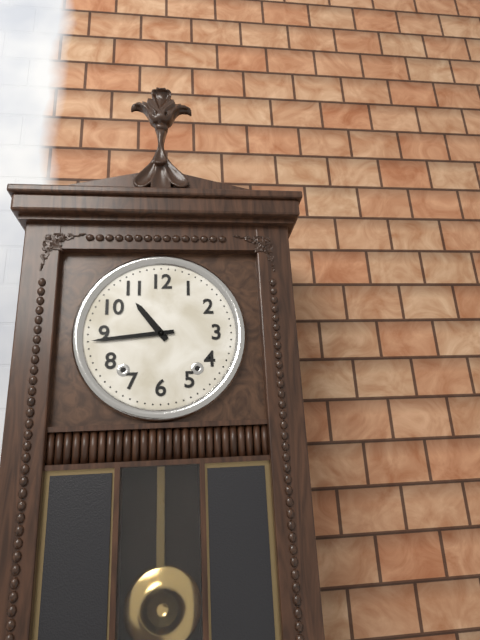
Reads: h=10 m=44
